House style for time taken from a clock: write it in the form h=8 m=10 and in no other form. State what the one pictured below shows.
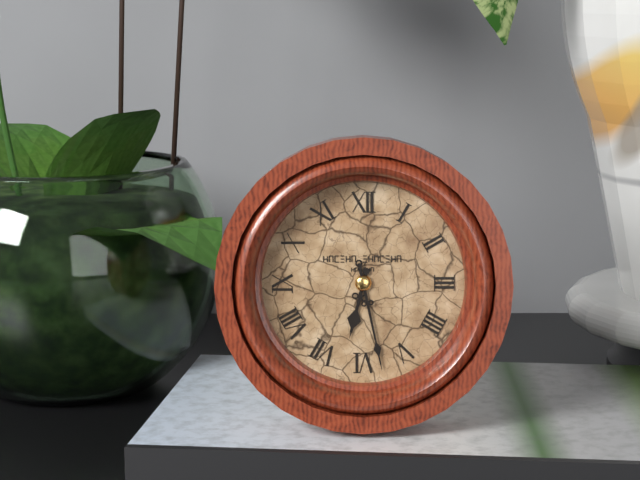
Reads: h=6 m=28
